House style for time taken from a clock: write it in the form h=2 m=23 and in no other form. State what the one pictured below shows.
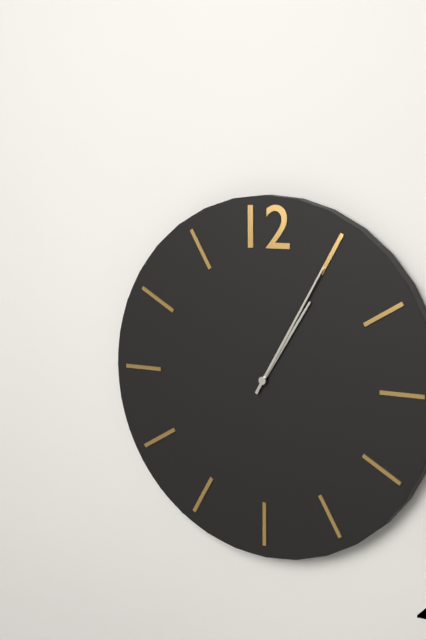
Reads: h=1 m=5
